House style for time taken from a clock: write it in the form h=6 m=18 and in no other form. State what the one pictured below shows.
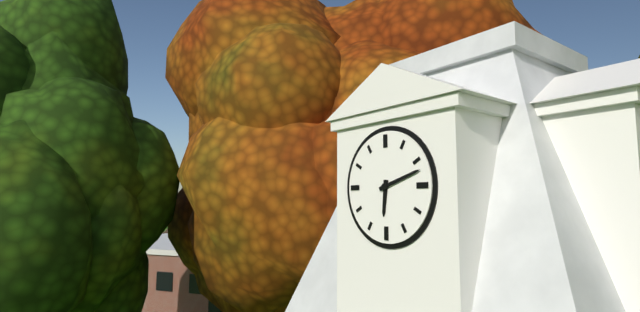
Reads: h=6 m=12
